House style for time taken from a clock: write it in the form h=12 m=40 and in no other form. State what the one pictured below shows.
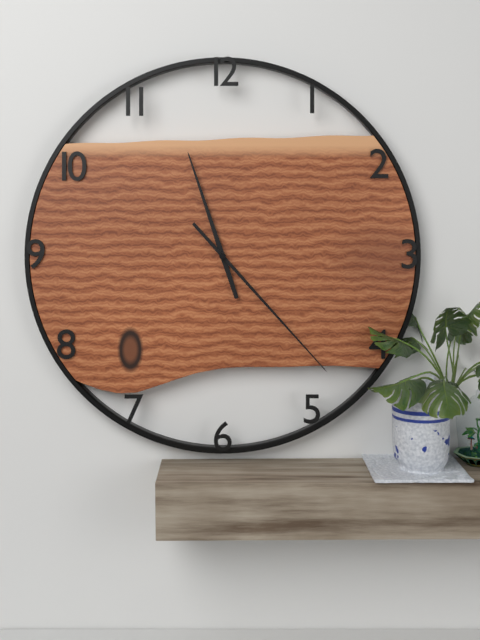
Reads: h=11 m=23
